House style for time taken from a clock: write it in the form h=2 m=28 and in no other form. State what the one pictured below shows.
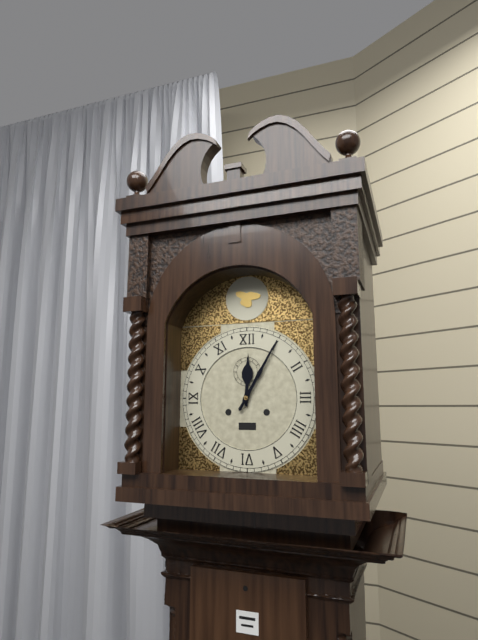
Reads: h=12 m=5
